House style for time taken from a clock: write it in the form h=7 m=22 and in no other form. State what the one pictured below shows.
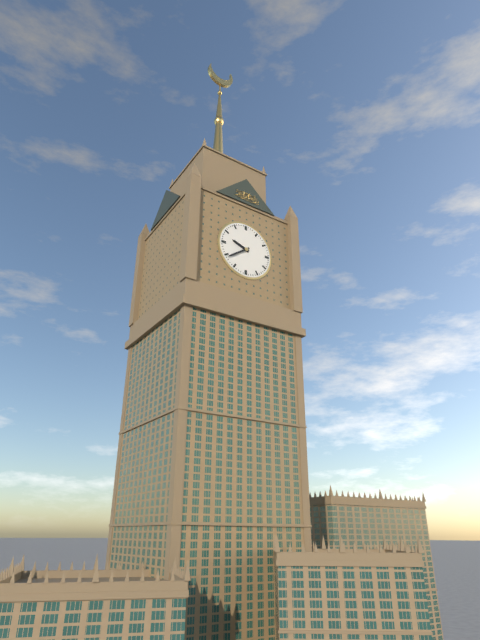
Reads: h=9 m=39
